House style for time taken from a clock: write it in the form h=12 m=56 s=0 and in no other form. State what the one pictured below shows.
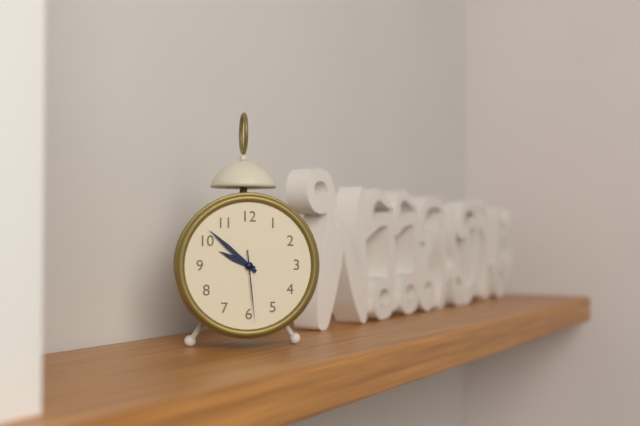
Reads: h=9 m=52 s=29
